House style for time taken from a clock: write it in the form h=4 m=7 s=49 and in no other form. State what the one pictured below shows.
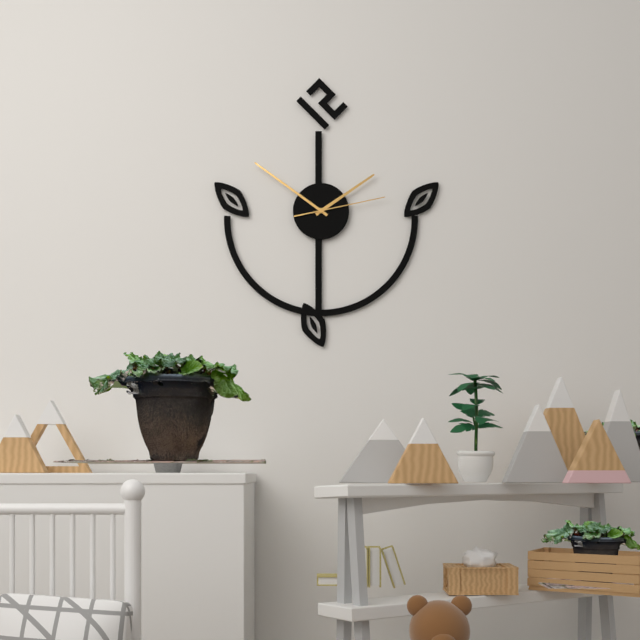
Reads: h=1 m=51 s=13
